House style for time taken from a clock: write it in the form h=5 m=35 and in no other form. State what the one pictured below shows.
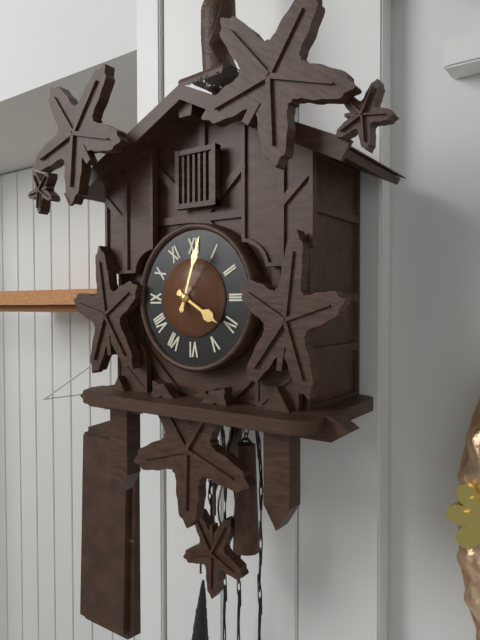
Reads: h=4 m=3
